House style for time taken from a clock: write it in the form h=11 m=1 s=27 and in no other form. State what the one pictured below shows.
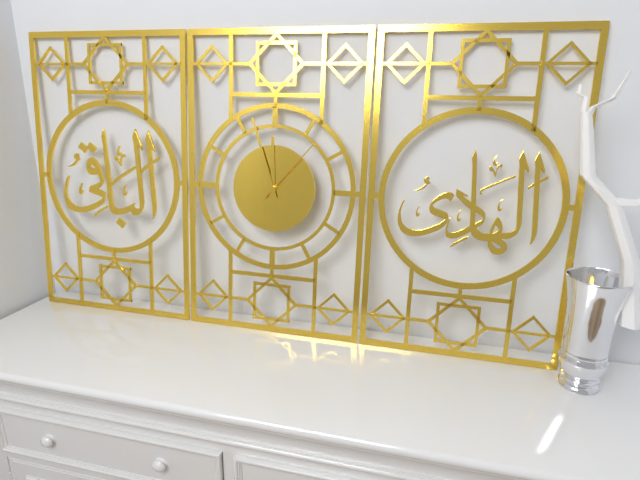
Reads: h=11 m=57 s=7
